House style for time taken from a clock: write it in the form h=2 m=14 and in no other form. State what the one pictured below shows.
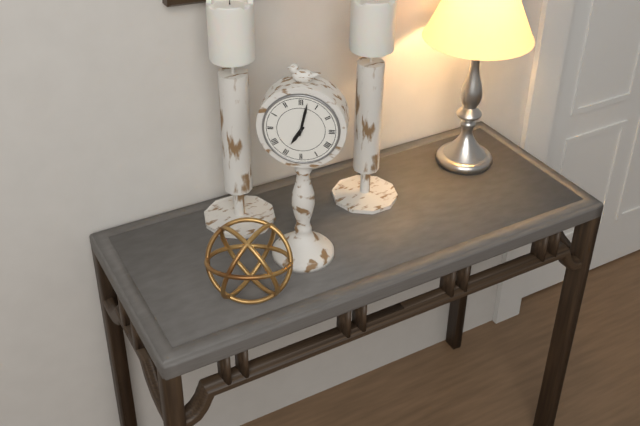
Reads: h=7 m=2
